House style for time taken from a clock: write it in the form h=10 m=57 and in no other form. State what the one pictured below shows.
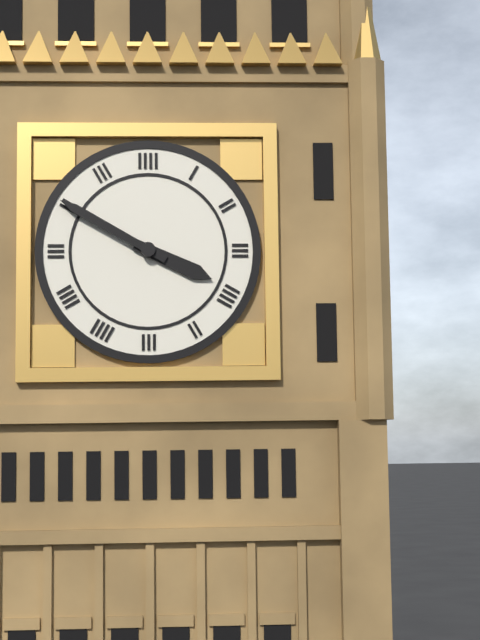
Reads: h=3 m=50
